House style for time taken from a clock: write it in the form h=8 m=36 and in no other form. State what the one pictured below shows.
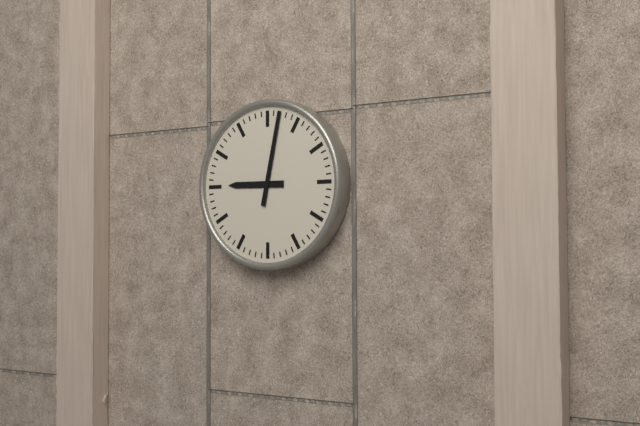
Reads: h=9 m=2
